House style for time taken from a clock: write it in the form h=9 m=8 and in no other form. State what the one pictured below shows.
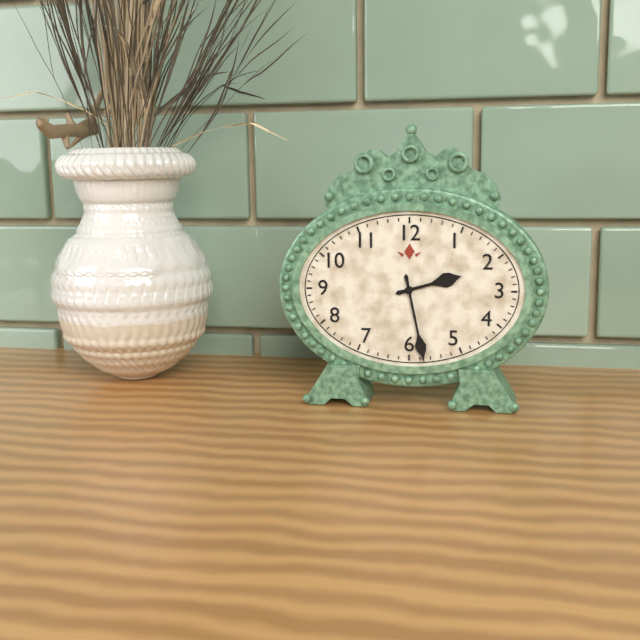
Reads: h=2 m=28
